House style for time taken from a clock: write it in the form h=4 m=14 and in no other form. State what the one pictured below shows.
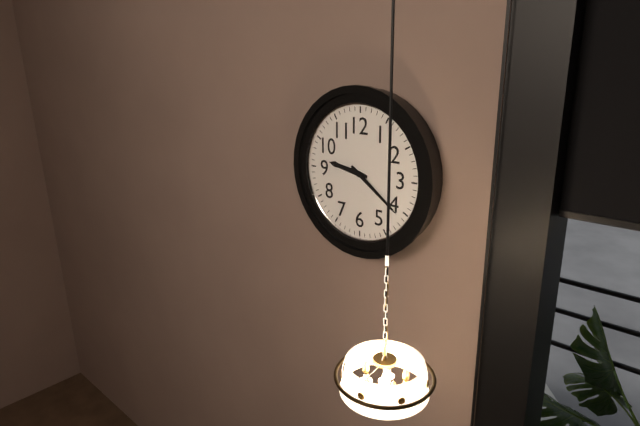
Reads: h=9 m=21
